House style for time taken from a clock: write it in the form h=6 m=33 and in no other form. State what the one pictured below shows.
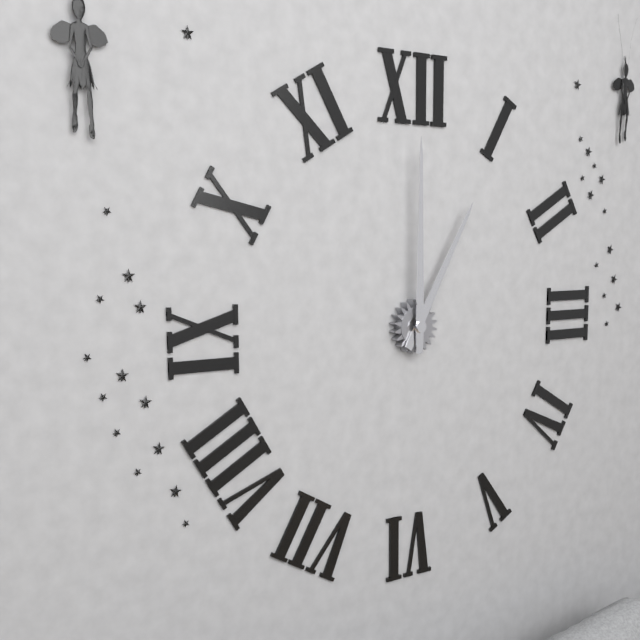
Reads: h=1 m=0
